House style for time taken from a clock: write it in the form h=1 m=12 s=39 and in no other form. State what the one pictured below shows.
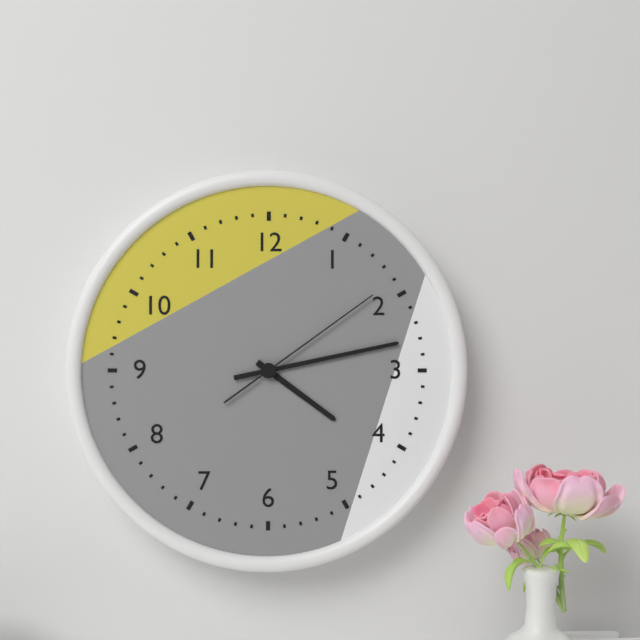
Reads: h=4 m=13 s=9
